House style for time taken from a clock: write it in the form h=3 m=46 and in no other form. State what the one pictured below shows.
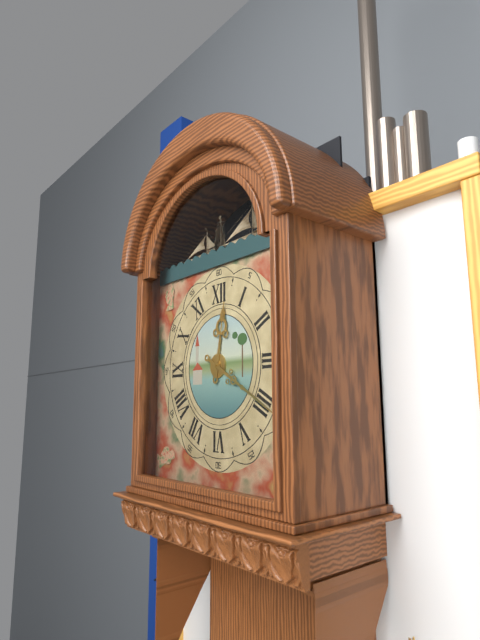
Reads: h=12 m=20
